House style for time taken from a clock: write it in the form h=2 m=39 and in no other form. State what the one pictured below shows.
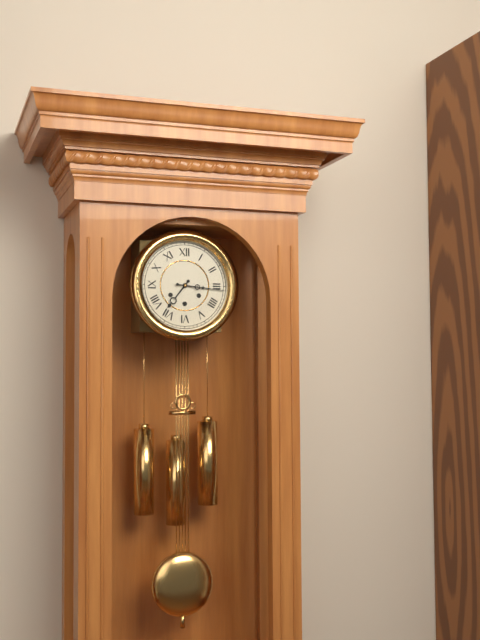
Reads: h=7 m=16
